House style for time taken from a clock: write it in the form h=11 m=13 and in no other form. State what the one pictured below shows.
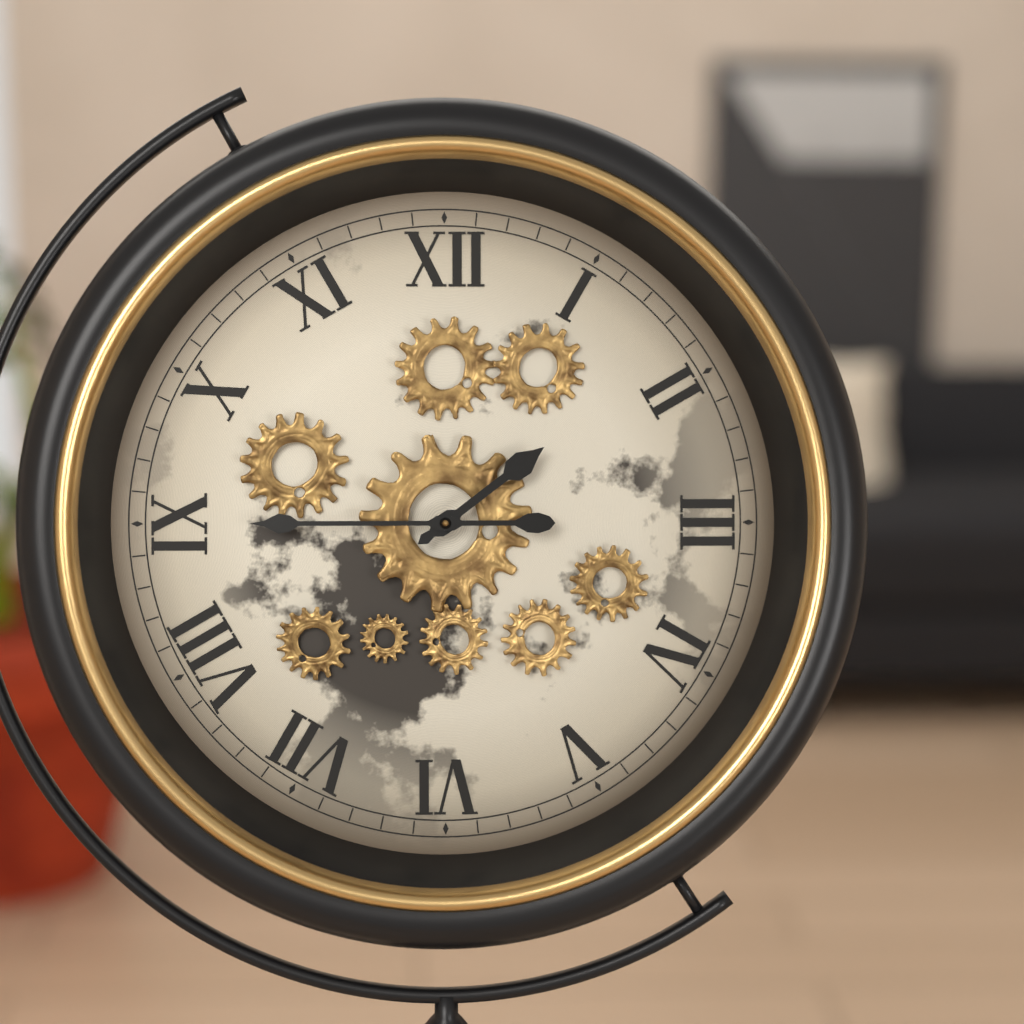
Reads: h=1 m=45
